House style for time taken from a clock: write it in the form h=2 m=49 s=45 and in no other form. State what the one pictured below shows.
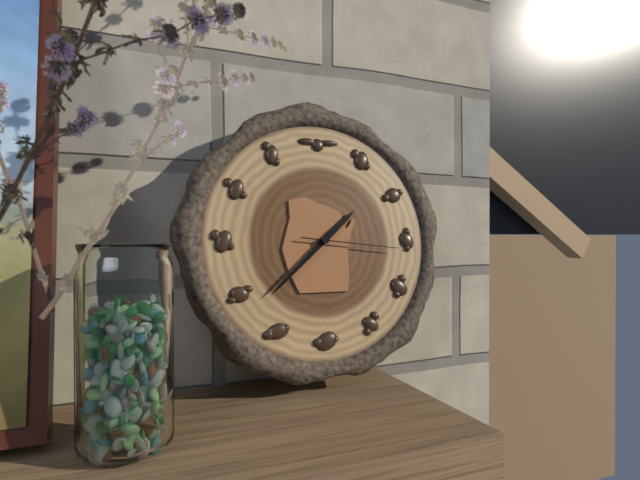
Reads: h=1 m=38 s=16
